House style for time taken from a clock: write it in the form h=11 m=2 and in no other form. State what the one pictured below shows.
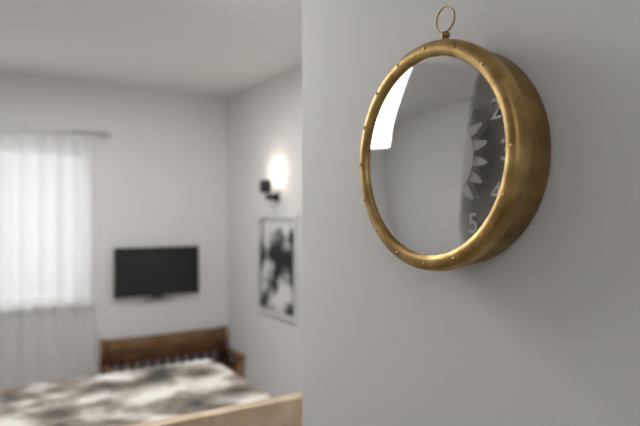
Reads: h=1 m=6
